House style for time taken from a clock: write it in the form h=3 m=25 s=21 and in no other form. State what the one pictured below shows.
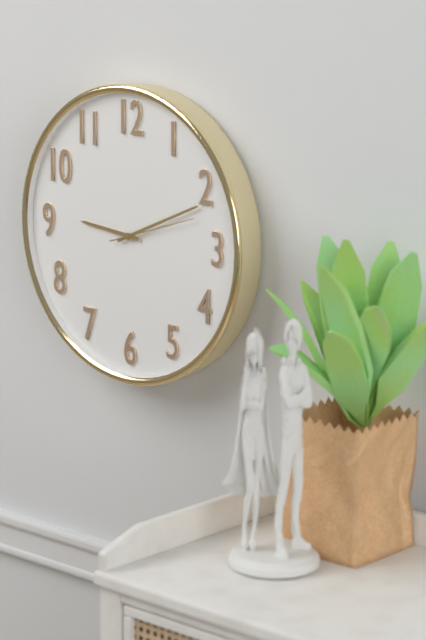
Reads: h=9 m=11 s=12
